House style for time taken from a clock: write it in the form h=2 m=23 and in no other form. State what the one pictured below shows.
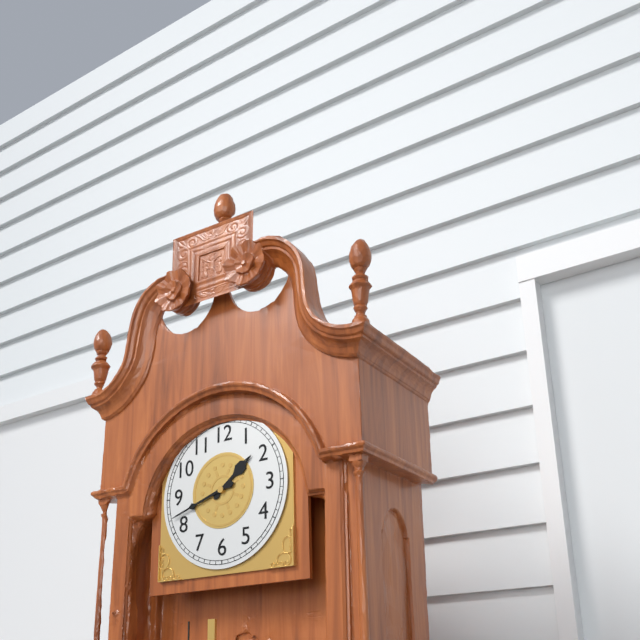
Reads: h=1 m=42
